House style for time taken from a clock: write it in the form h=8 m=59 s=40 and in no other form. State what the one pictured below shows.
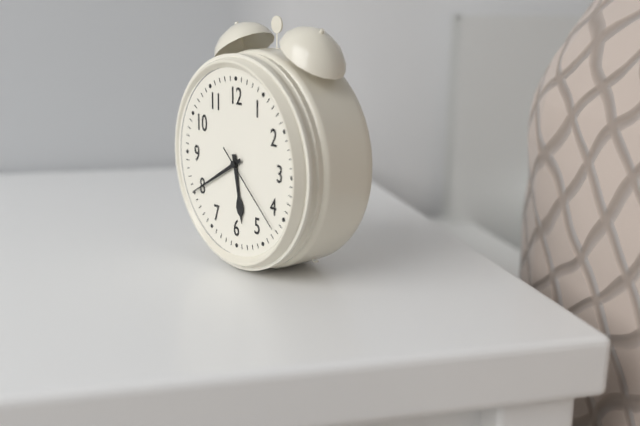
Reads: h=5 m=40 s=22
